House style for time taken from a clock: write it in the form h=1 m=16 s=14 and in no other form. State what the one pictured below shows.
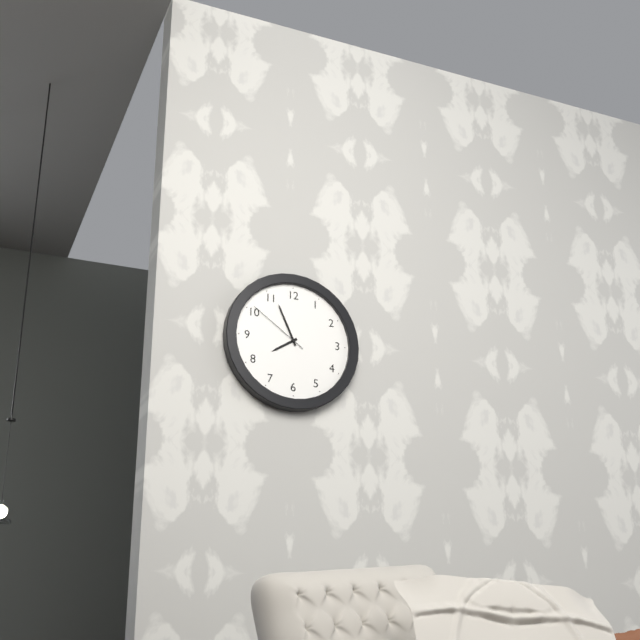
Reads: h=7 m=56 s=51
